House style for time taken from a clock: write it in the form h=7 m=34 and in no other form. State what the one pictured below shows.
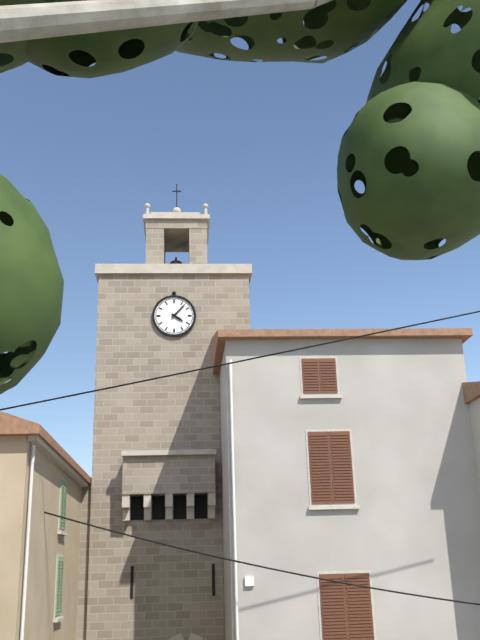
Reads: h=4 m=7
